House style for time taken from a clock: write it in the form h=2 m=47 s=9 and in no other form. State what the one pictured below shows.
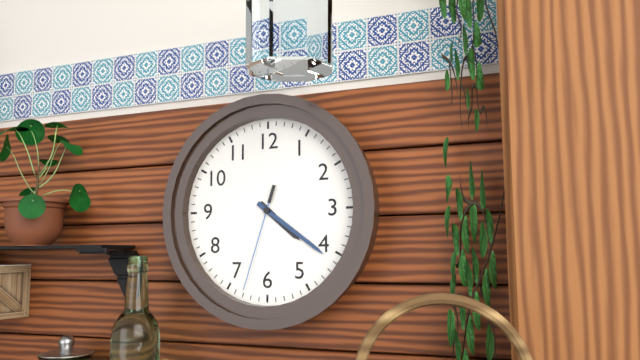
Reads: h=4 m=21 s=33
